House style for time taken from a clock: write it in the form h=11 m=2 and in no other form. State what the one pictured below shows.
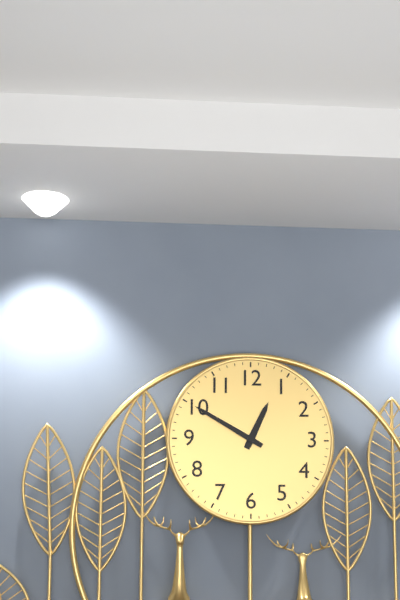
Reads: h=12 m=50
